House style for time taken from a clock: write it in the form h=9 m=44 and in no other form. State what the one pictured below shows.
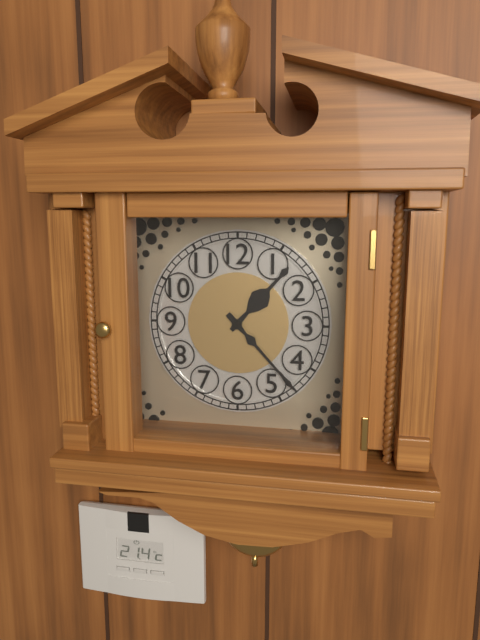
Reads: h=1 m=23
